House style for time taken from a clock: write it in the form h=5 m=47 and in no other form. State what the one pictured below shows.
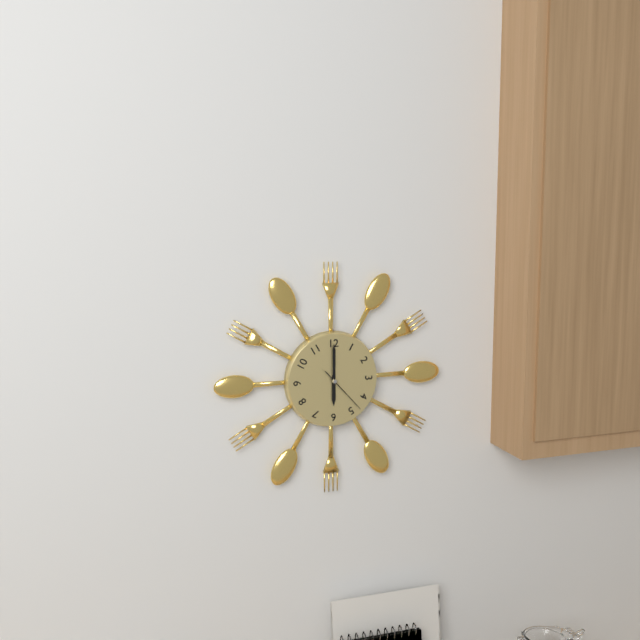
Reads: h=6 m=0
